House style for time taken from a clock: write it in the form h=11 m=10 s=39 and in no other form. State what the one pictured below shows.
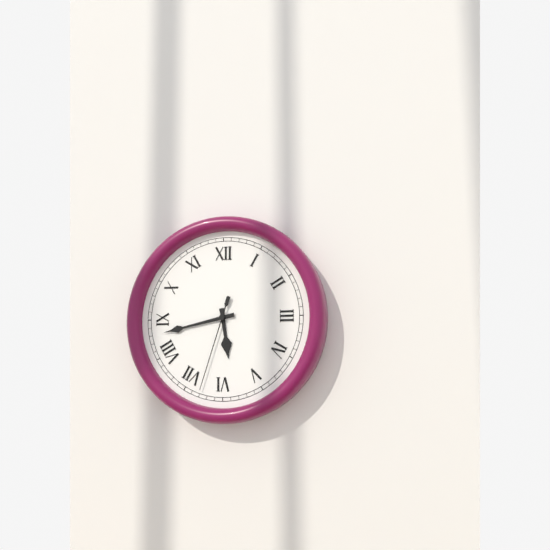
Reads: h=5 m=43 s=33
